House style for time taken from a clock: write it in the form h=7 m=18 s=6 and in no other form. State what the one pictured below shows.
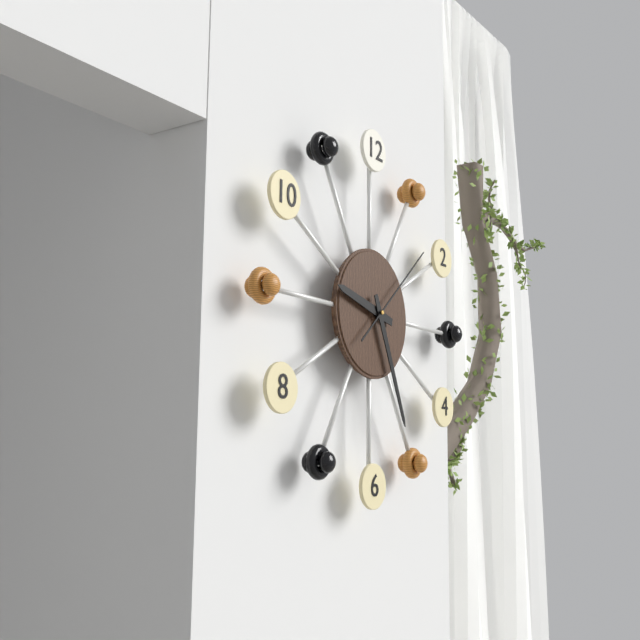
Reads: h=9 m=26 s=8
